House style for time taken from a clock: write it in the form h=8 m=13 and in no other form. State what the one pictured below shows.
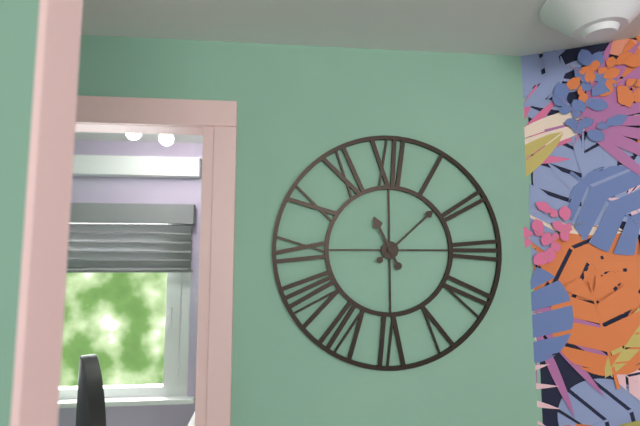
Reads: h=11 m=8
